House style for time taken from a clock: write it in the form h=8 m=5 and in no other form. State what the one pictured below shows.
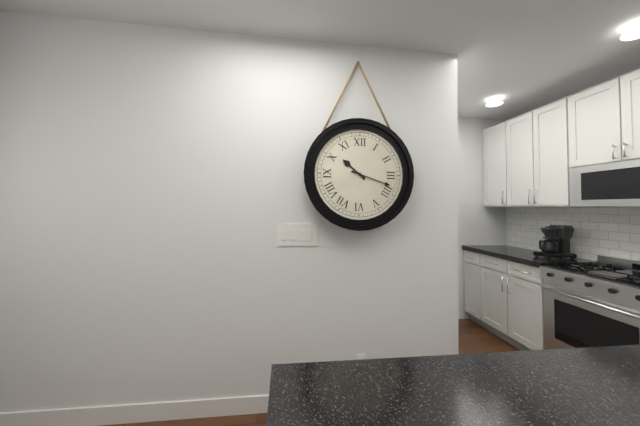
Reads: h=10 m=18
